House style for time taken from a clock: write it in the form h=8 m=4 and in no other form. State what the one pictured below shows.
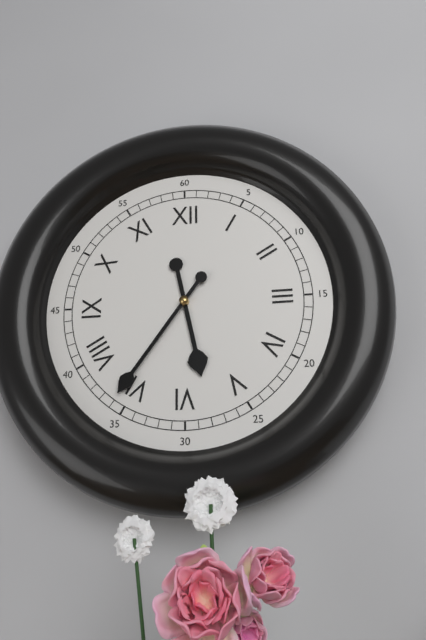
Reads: h=5 m=36
